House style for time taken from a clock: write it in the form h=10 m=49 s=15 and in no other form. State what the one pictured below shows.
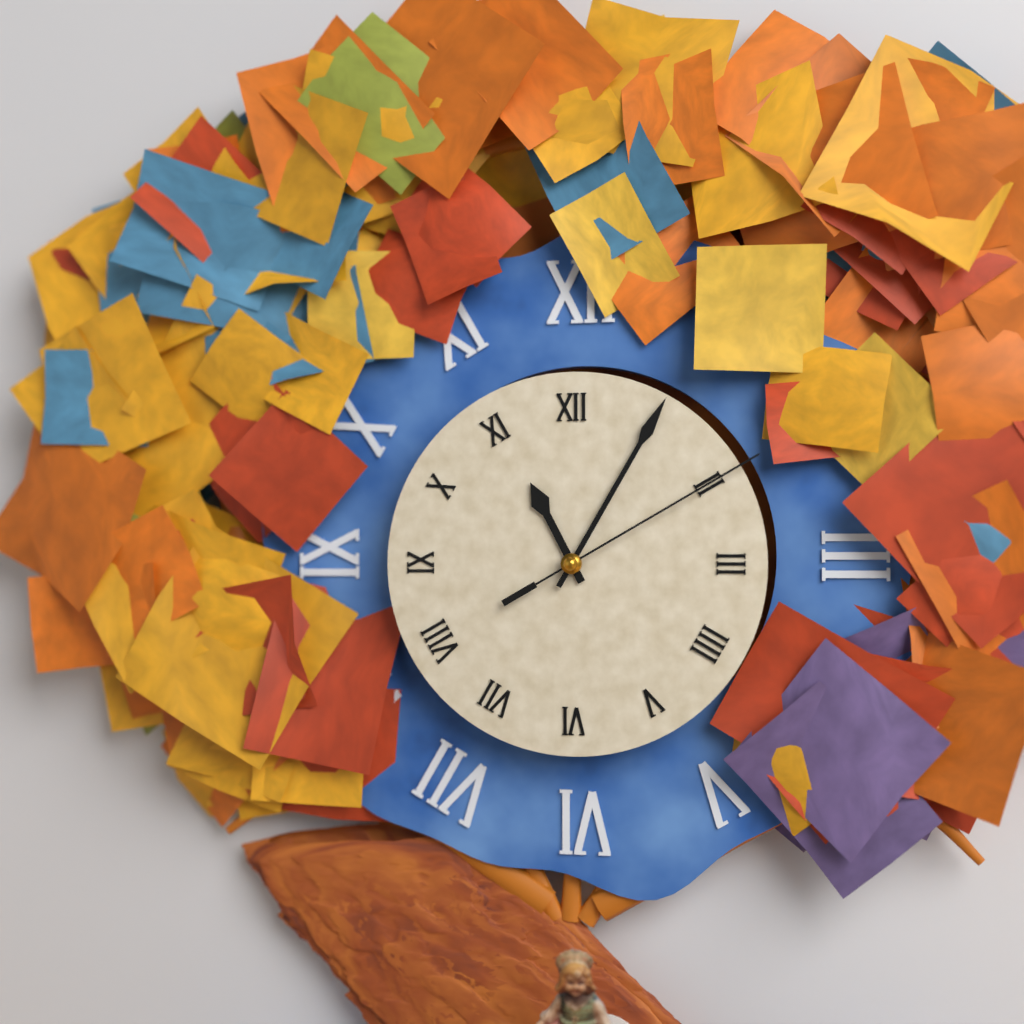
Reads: h=11 m=5 s=10
